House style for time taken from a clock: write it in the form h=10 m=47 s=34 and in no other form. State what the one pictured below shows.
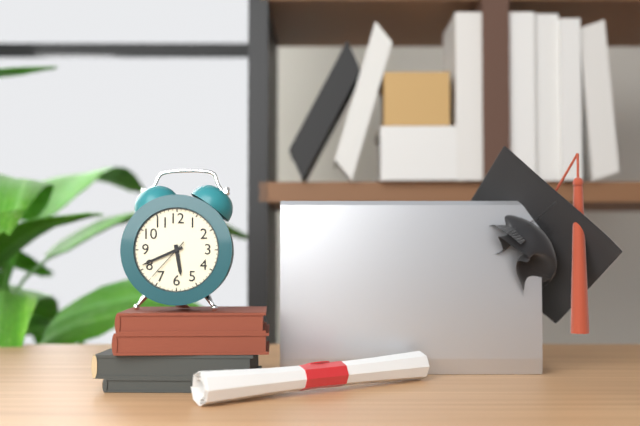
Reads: h=5 m=41 s=37
